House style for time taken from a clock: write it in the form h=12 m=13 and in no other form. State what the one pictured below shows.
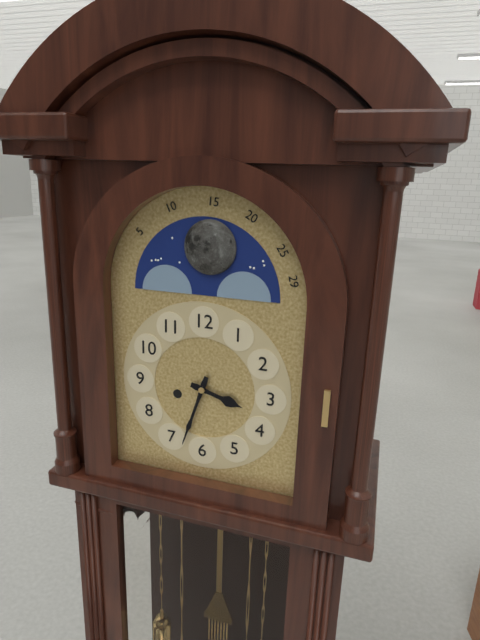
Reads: h=3 m=33
